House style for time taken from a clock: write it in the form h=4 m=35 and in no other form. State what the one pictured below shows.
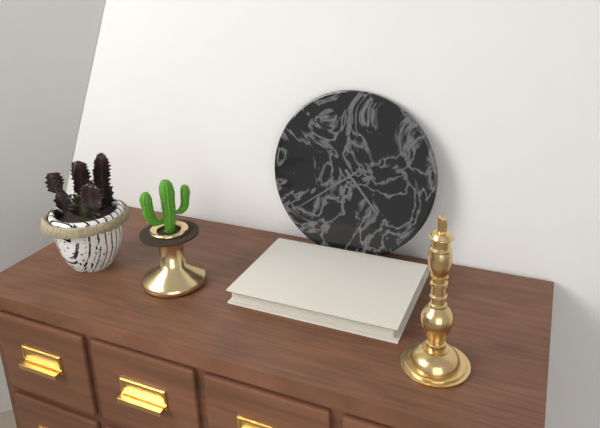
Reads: h=4 m=39
